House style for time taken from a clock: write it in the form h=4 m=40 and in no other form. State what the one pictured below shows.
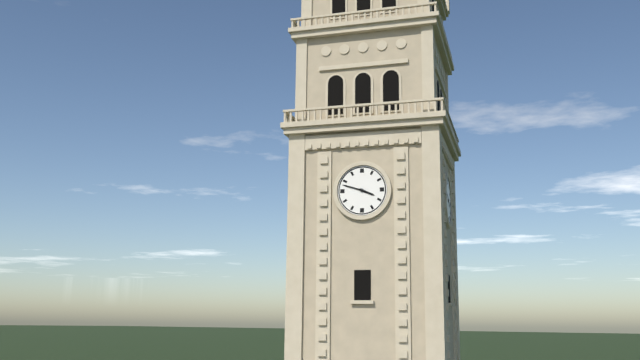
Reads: h=3 m=48
